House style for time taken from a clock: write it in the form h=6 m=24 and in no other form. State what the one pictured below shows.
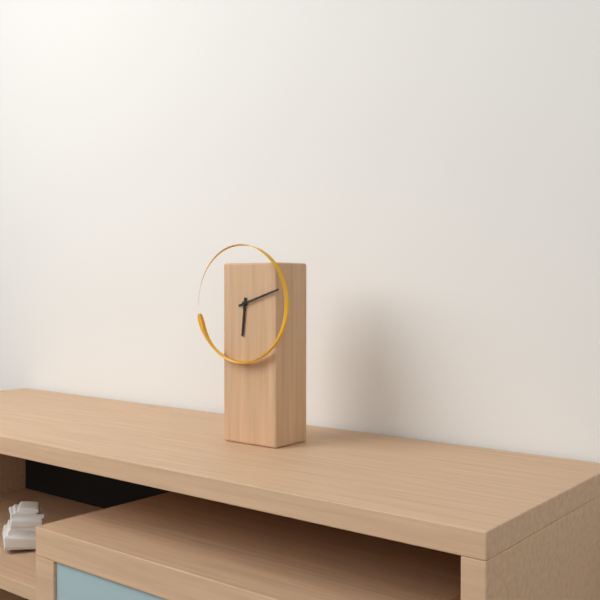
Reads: h=6 m=12
